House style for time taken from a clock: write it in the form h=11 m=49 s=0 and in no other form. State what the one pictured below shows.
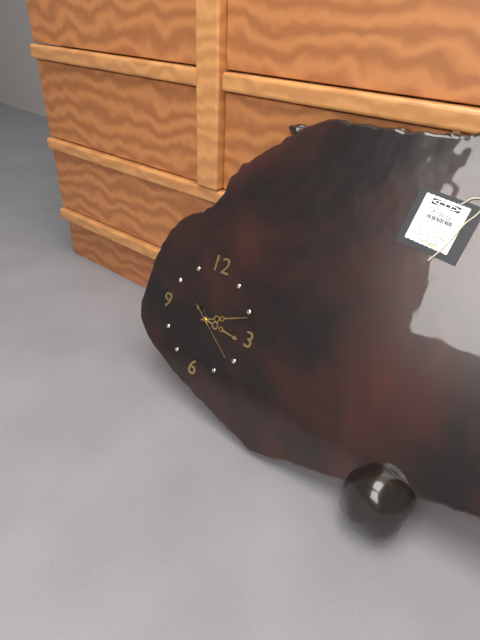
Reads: h=3 m=11 s=21
